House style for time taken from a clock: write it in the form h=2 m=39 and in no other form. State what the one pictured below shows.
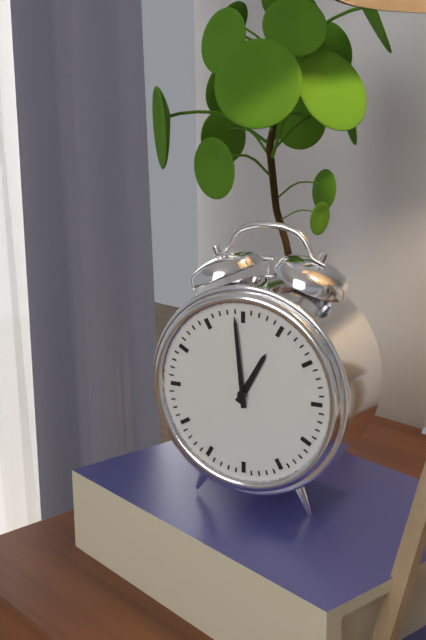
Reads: h=12 m=59
